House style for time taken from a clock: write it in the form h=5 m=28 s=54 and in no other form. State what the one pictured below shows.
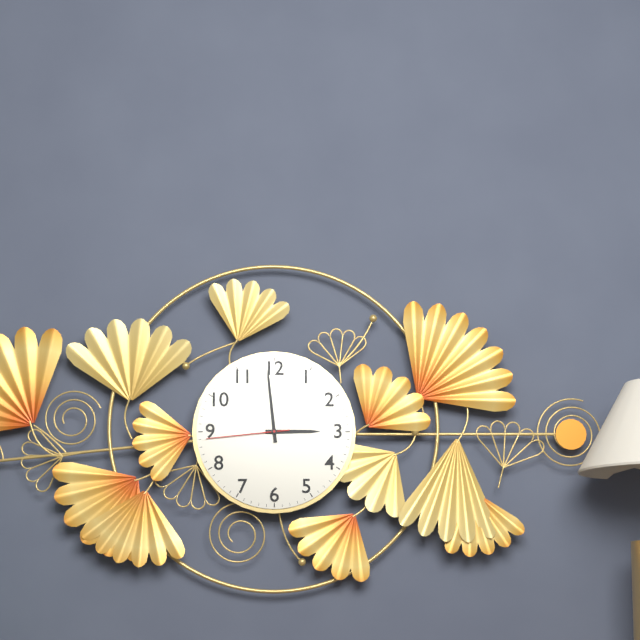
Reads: h=2 m=59 s=44
